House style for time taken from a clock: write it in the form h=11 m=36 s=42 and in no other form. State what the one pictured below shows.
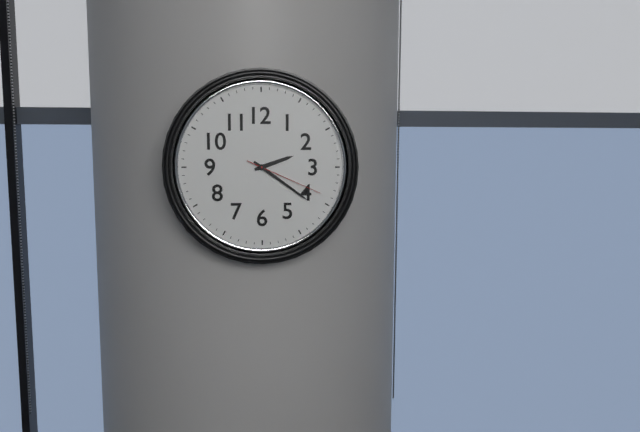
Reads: h=2 m=21 s=19
